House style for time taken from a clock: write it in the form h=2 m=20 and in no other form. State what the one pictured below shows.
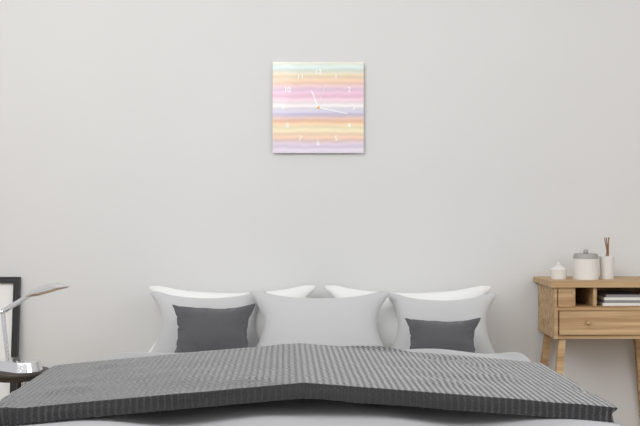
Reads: h=11 m=17
